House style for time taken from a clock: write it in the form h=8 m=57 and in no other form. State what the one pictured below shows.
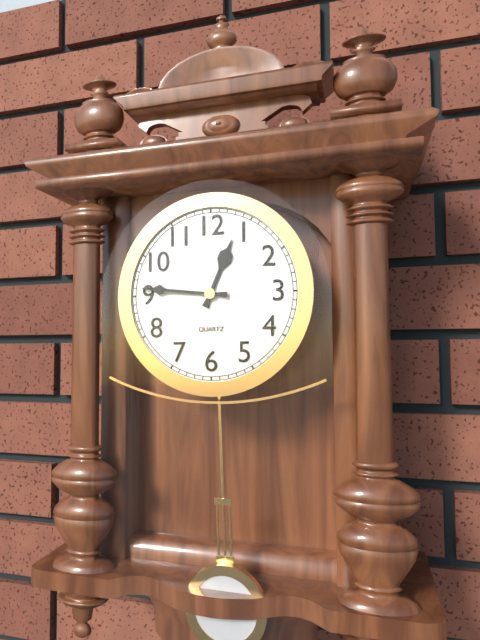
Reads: h=12 m=46
